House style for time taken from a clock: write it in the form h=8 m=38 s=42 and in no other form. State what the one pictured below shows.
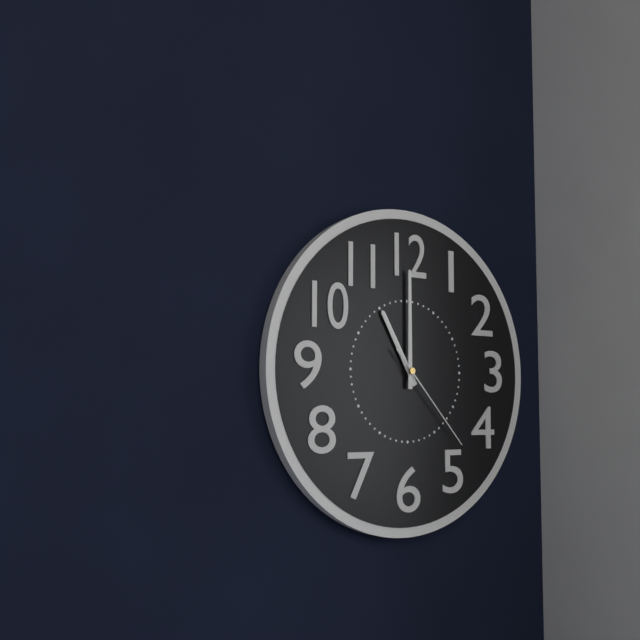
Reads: h=11 m=0 s=23
